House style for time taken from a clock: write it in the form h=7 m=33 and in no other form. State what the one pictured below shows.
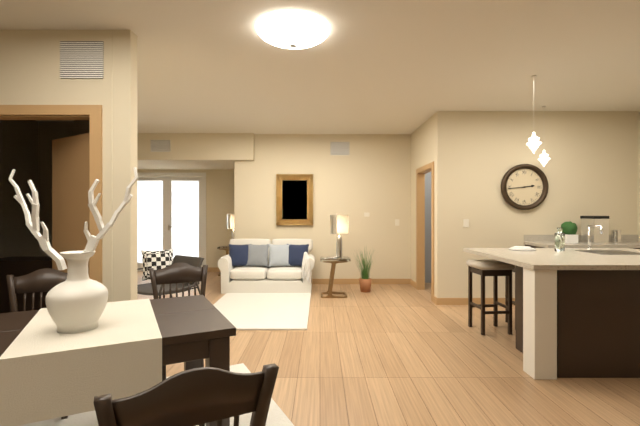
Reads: h=2 m=44
